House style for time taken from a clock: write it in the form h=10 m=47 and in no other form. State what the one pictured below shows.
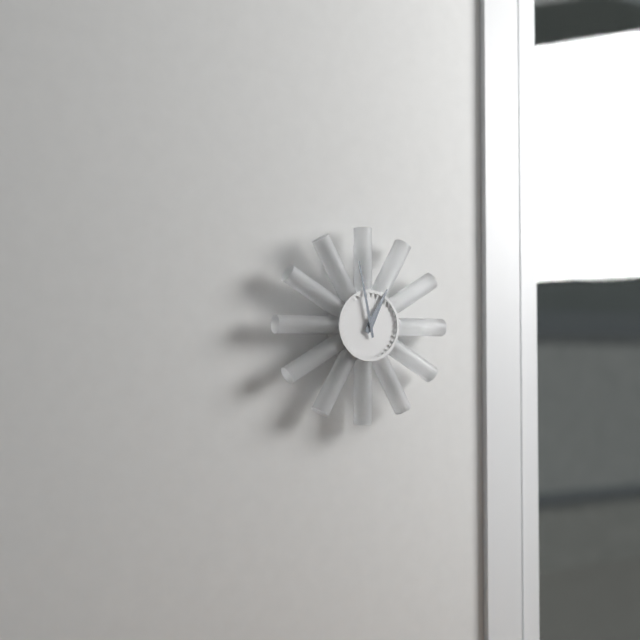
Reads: h=12 m=58
